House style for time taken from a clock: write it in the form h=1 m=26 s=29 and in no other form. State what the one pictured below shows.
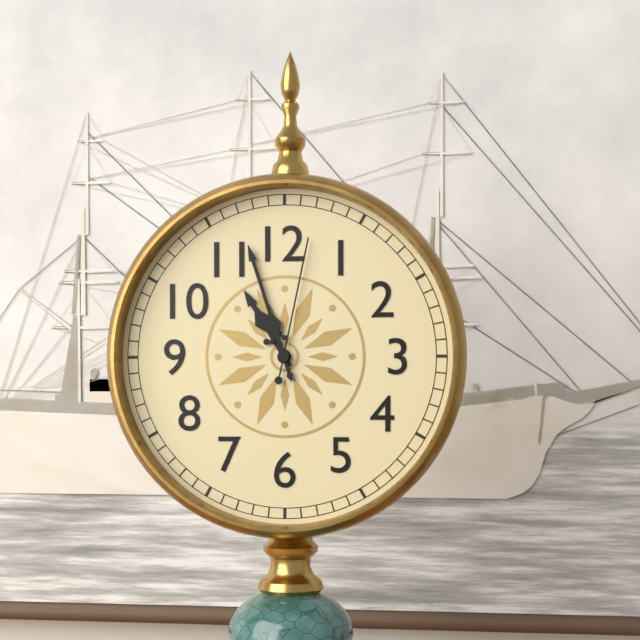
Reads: h=10 m=57 s=2
